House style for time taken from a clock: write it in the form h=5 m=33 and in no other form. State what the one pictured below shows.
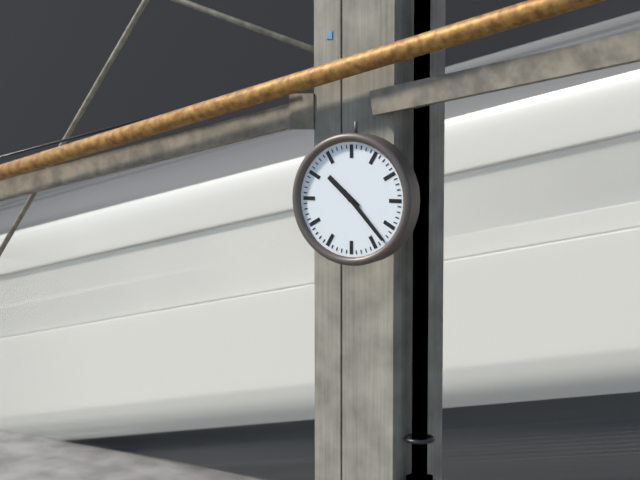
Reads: h=10 m=23
